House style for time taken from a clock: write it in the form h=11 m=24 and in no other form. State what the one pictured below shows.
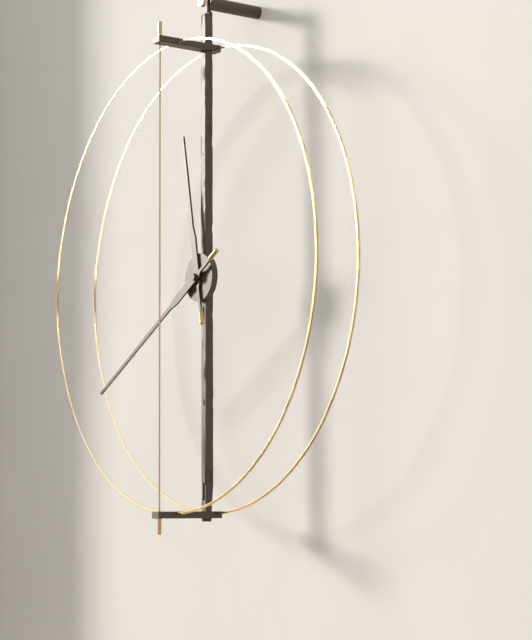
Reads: h=11 m=40
